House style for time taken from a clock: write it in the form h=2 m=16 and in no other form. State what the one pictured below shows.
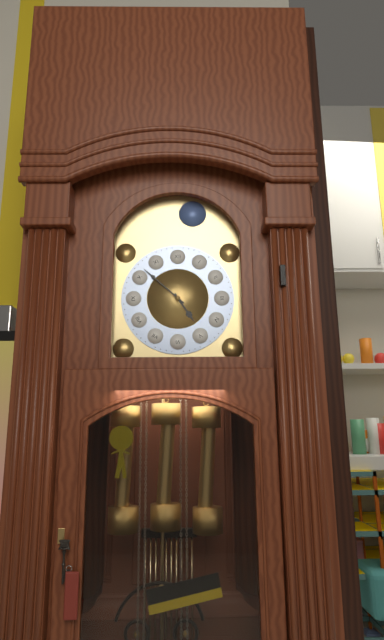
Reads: h=4 m=52
